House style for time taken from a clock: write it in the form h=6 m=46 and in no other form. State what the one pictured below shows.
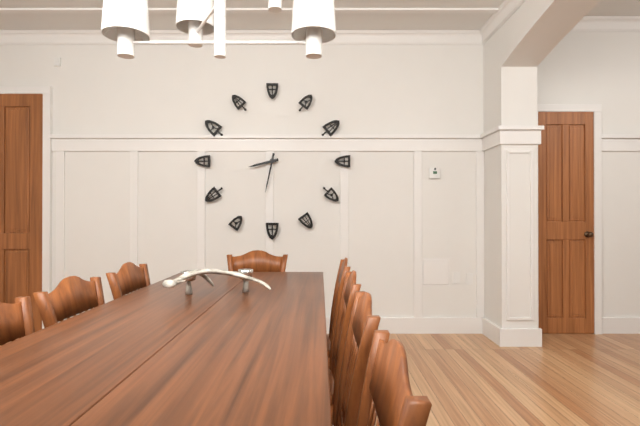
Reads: h=8 m=32
